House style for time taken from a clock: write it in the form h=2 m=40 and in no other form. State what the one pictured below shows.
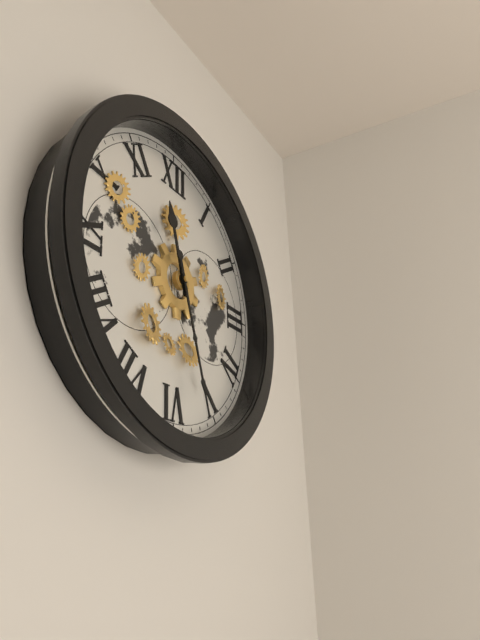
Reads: h=11 m=27
